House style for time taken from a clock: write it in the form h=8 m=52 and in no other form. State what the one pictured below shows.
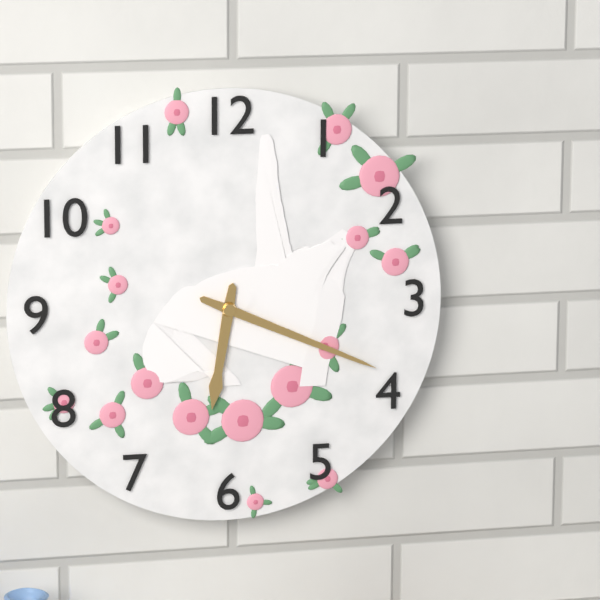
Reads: h=6 m=19
